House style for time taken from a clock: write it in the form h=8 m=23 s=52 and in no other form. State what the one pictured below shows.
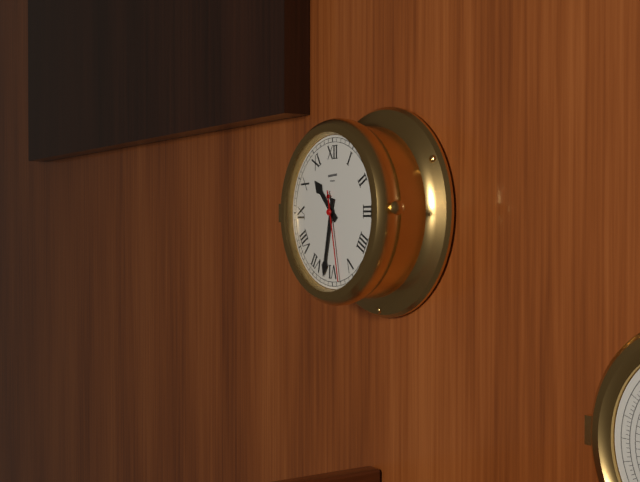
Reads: h=10 m=32 s=28
